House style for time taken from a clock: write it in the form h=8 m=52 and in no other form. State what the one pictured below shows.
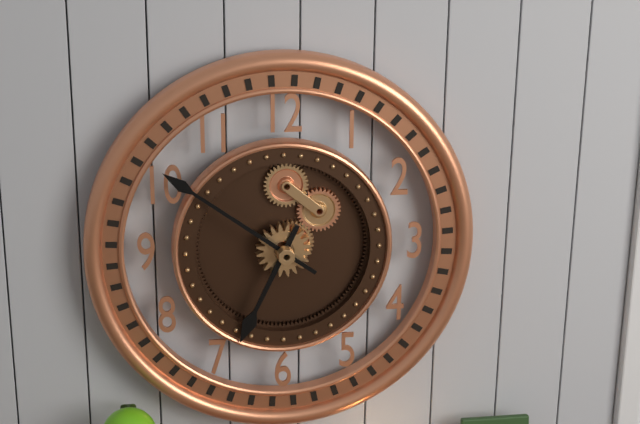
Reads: h=6 m=51
